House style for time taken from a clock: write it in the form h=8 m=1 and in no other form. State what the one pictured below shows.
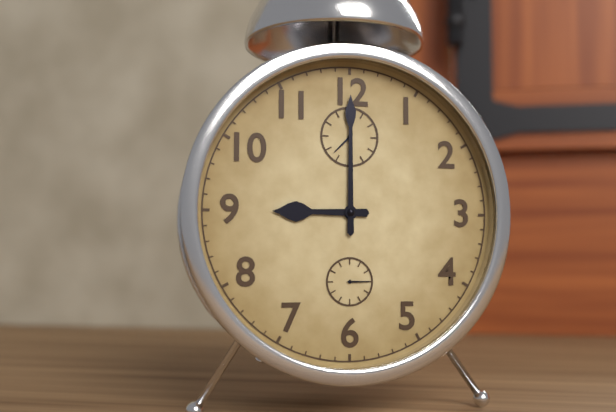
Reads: h=9 m=0
